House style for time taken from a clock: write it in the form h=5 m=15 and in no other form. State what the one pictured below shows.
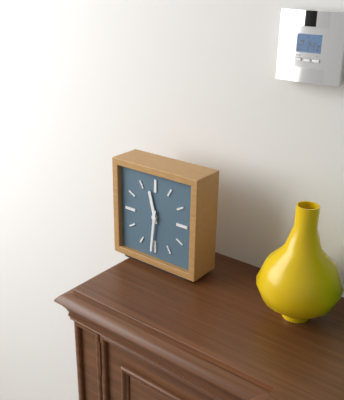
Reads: h=11 m=31
